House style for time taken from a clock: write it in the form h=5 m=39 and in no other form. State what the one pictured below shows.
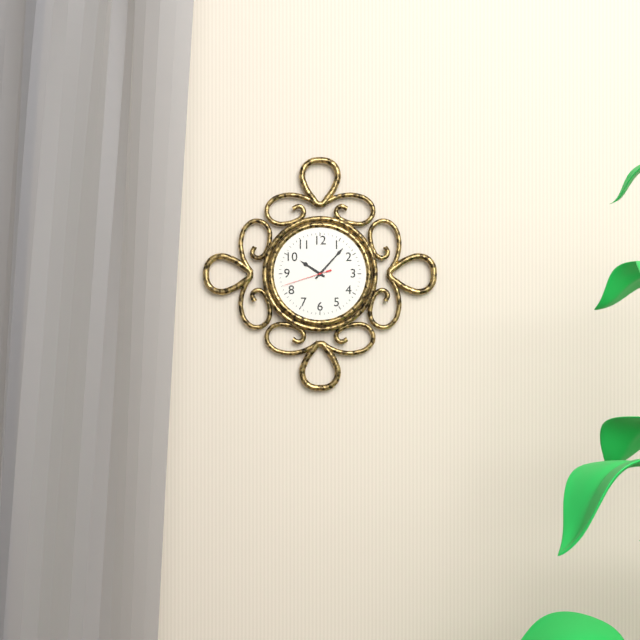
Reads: h=10 m=7
